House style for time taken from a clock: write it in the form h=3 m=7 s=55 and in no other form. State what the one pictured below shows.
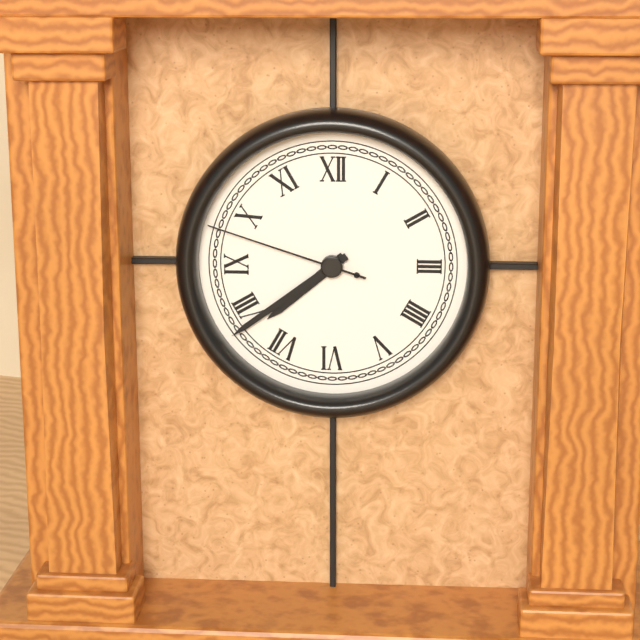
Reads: h=7 m=39 s=48
